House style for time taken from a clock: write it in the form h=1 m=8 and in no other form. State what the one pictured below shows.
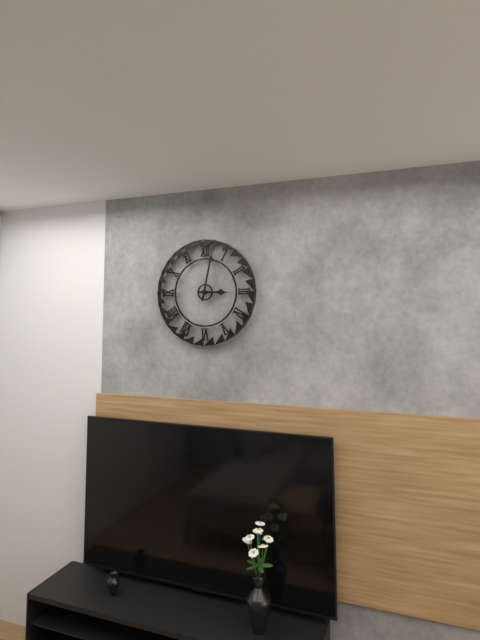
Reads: h=3 m=2
